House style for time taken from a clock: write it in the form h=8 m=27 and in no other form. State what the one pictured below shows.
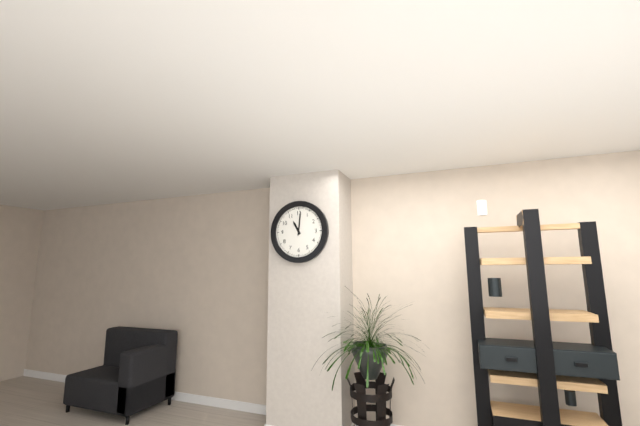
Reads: h=11 m=1
